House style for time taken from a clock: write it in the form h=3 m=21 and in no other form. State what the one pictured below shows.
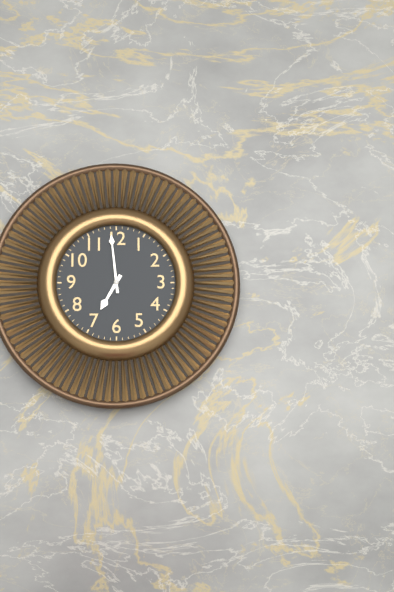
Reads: h=6 m=59
